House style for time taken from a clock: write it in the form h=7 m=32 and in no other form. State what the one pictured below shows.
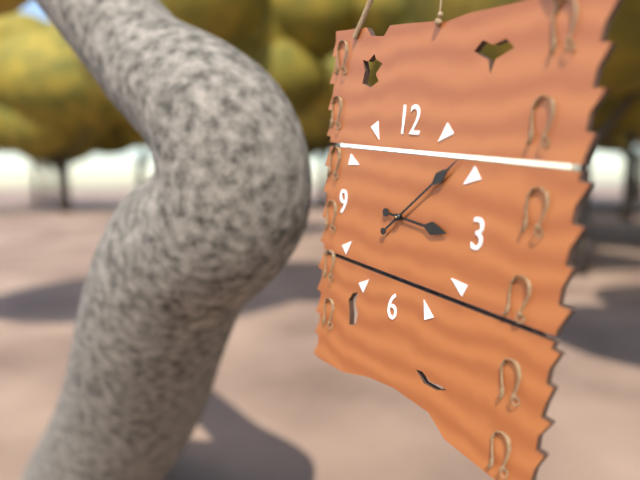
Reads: h=3 m=8
